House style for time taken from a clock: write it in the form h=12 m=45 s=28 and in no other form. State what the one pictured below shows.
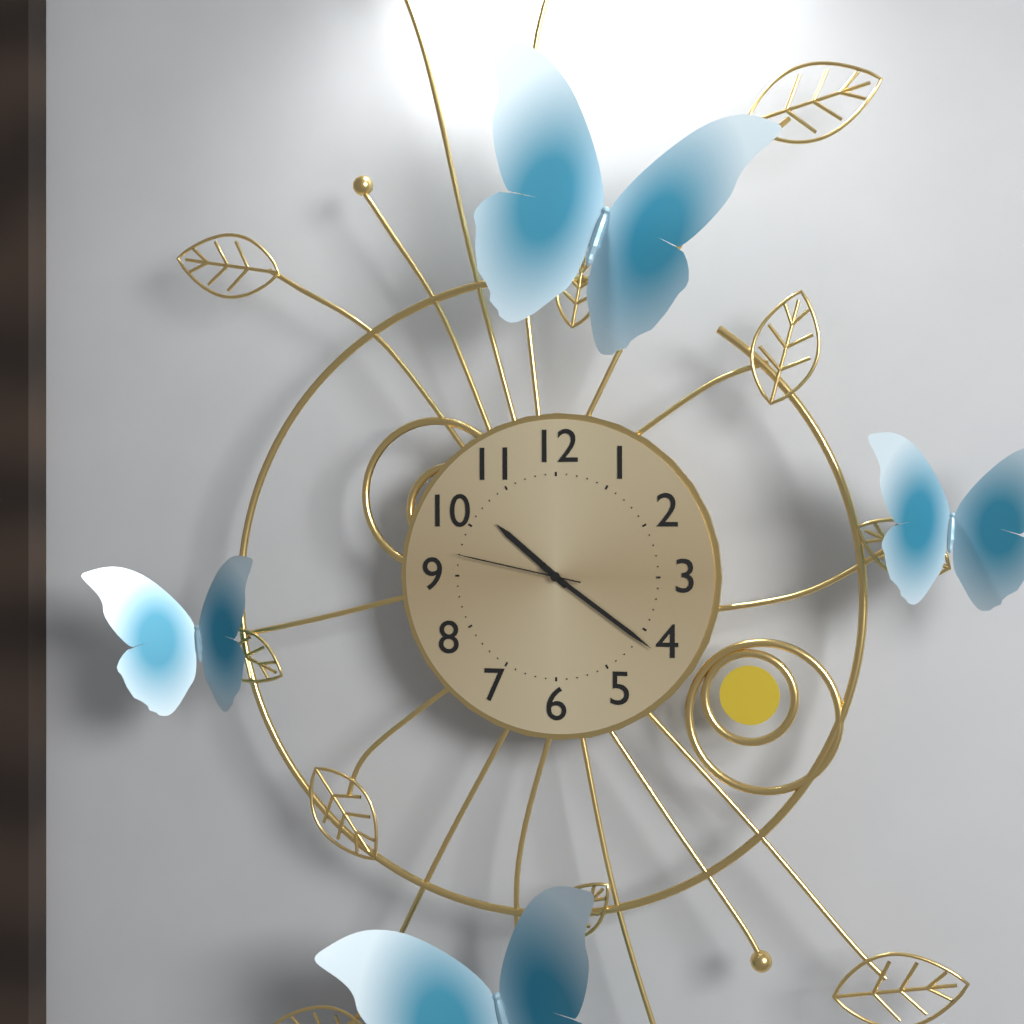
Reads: h=10 m=21 s=47
